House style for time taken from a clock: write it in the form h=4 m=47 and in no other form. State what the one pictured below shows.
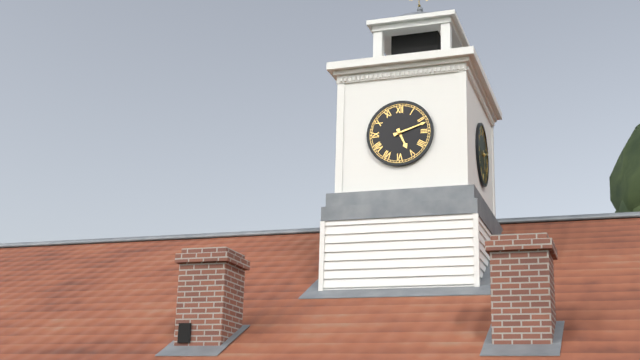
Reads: h=5 m=12
